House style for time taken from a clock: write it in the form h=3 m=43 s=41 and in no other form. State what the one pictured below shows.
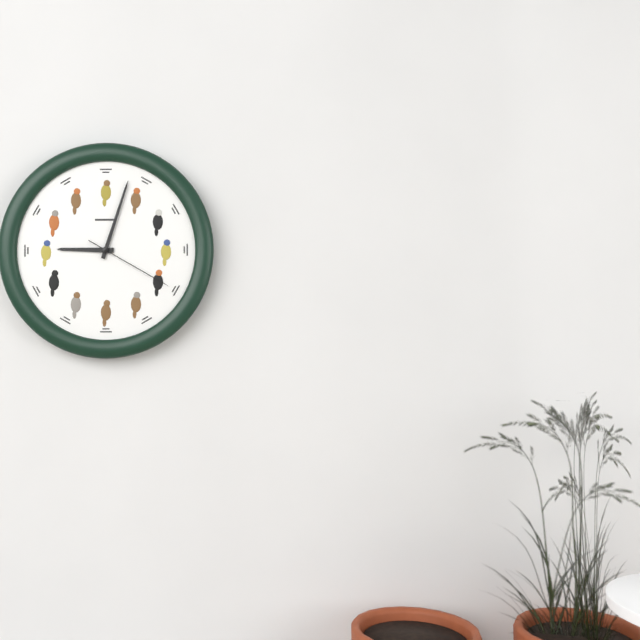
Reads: h=9 m=3 s=20
